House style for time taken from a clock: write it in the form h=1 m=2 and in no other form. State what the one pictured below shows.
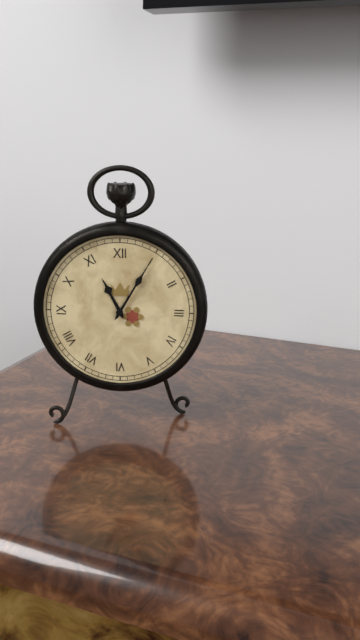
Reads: h=11 m=5
